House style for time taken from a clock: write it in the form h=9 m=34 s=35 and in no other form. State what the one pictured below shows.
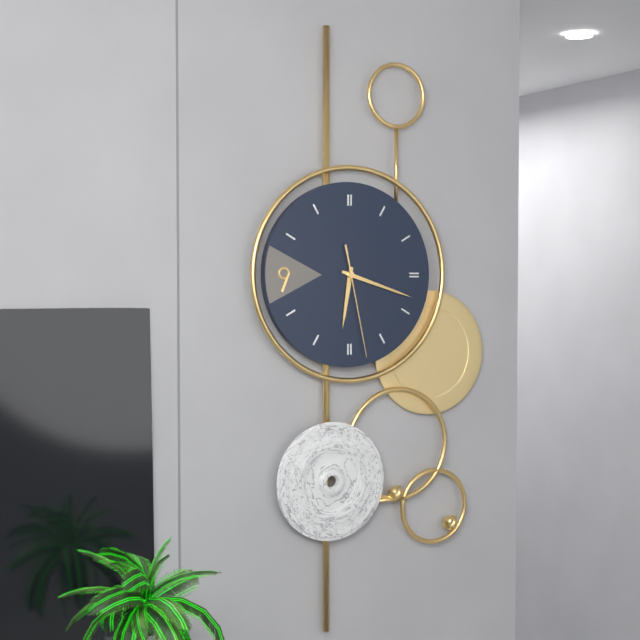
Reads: h=6 m=18 s=28
